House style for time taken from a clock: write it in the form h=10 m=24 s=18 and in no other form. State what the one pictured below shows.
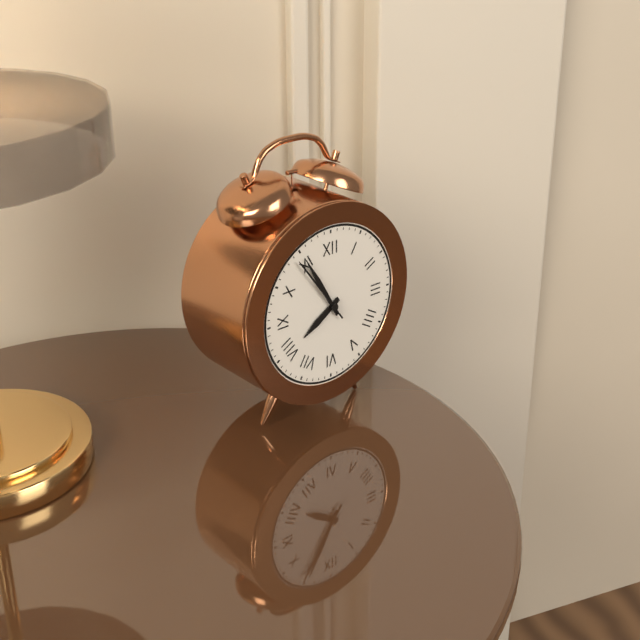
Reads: h=7 m=55 s=54
